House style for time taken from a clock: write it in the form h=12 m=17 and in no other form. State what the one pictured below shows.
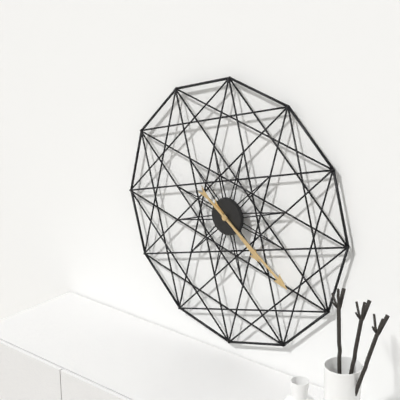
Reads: h=4 m=21
